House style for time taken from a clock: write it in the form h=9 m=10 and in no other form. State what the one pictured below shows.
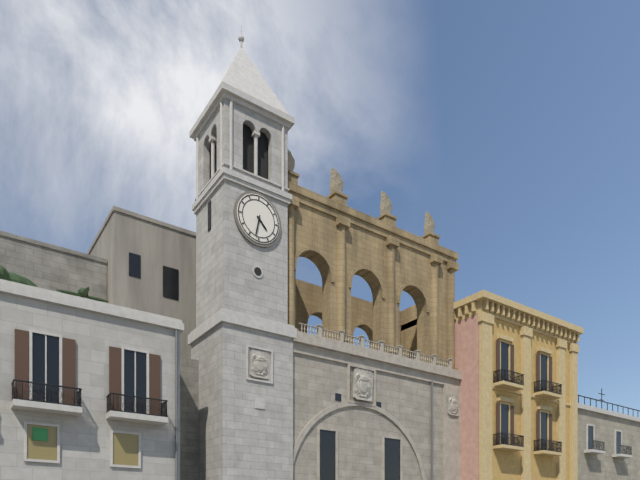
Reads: h=4 m=32
